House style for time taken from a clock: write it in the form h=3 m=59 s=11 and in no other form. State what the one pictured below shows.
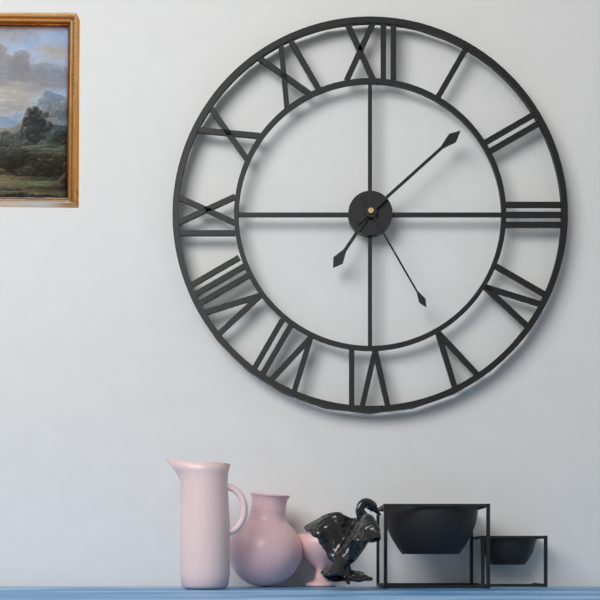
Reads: h=7 m=8 s=25
